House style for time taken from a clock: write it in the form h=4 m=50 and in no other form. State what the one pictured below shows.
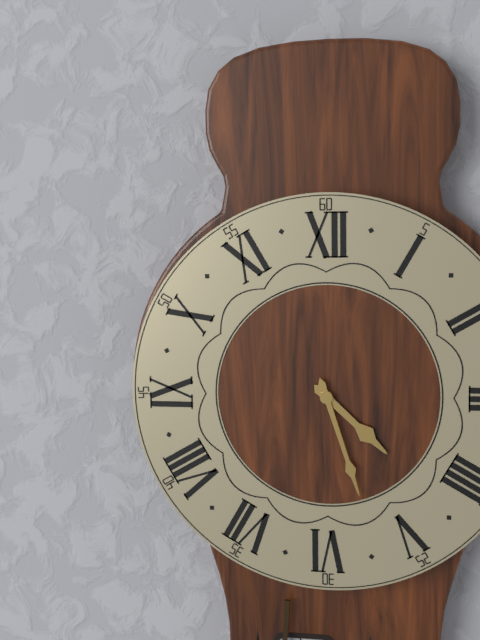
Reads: h=4 m=27
